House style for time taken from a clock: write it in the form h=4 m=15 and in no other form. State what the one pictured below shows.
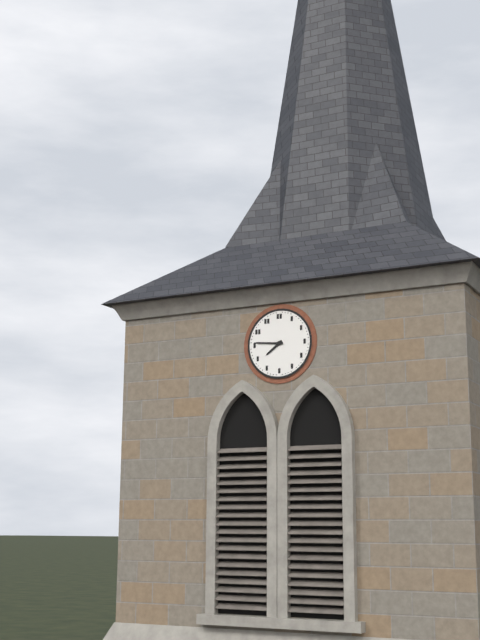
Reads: h=7 m=46
